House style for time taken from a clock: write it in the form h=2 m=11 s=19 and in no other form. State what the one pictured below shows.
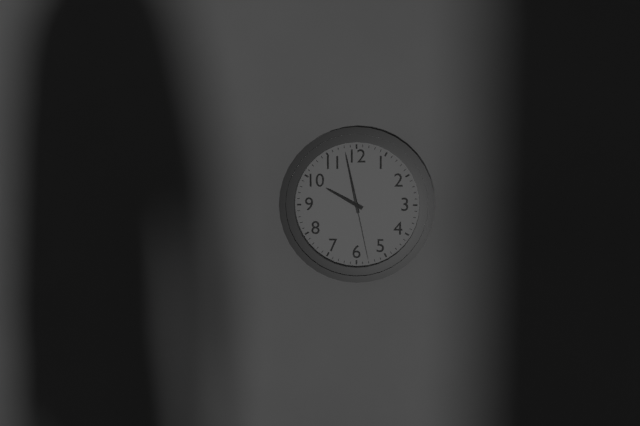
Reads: h=9 m=58 s=28
